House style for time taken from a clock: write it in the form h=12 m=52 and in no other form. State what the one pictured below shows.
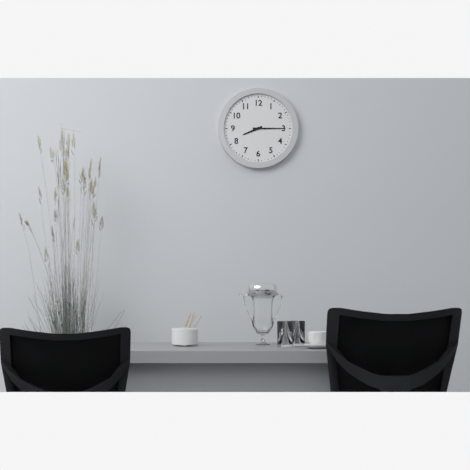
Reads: h=8 m=15
